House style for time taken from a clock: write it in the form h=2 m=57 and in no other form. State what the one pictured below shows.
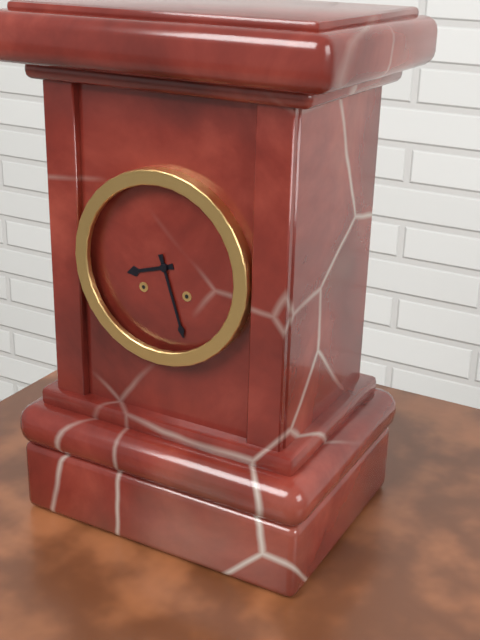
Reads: h=8 m=27
